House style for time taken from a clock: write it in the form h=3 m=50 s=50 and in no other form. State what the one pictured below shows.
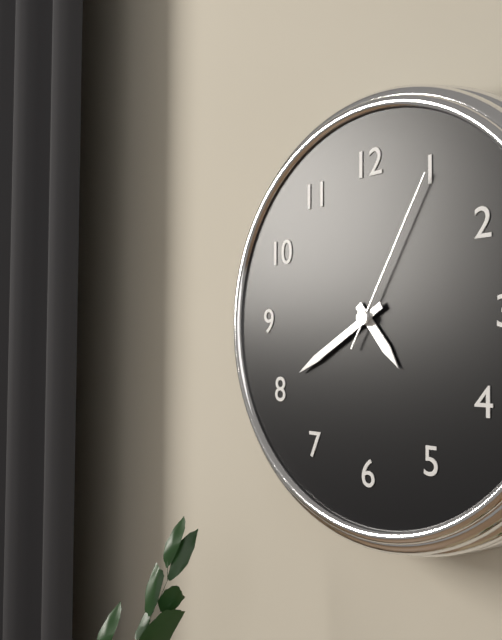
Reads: h=4 m=40 s=5
